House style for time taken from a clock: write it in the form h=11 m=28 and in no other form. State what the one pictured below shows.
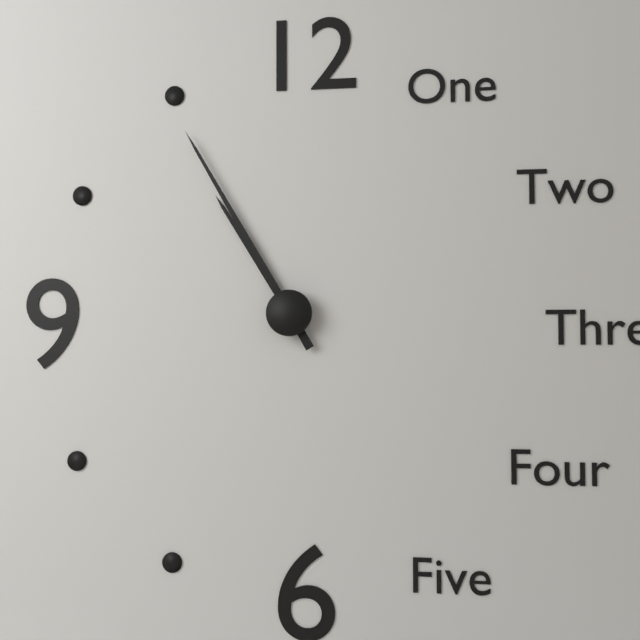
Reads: h=10 m=55
